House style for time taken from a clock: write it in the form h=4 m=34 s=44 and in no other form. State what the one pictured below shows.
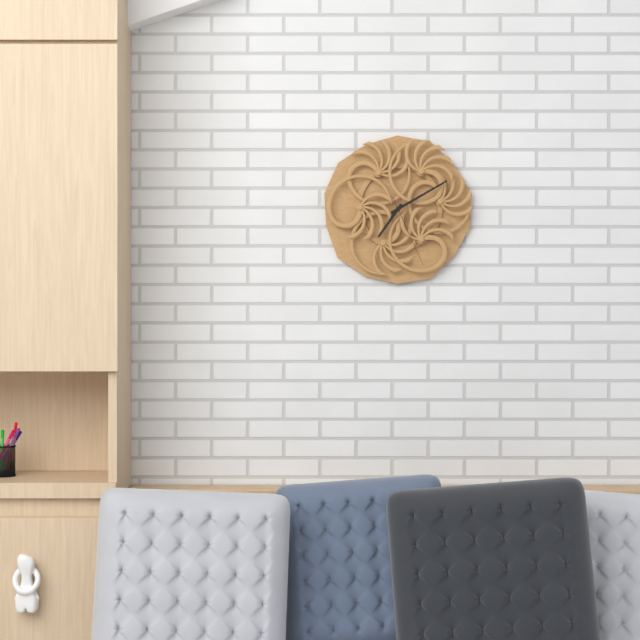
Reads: h=7 m=10 s=26
